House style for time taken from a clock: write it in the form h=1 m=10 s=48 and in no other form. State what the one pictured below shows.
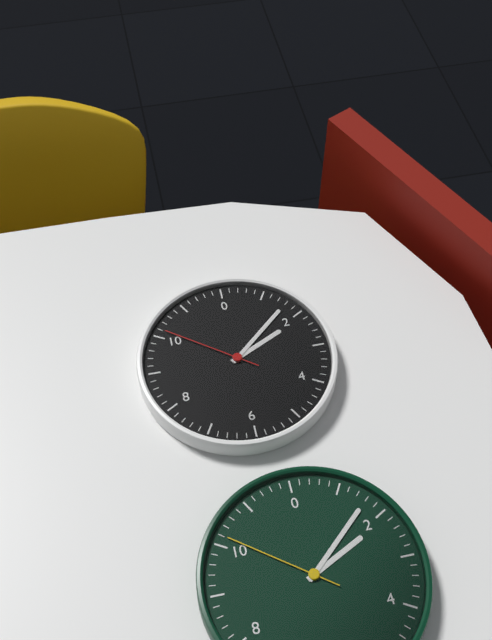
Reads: h=2 m=8 s=51
